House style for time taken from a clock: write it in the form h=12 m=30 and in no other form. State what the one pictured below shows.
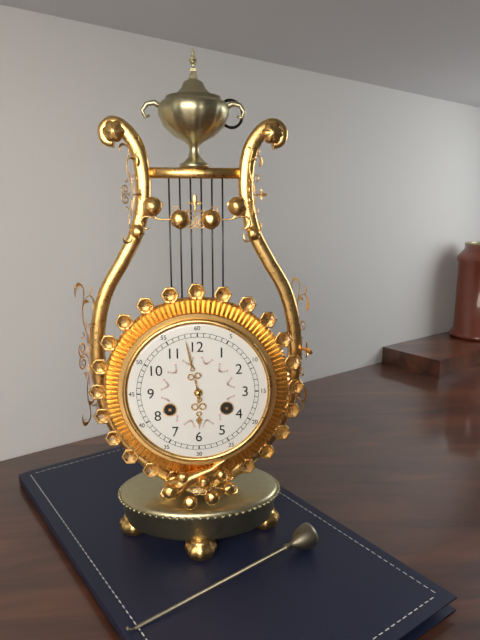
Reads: h=5 m=58
